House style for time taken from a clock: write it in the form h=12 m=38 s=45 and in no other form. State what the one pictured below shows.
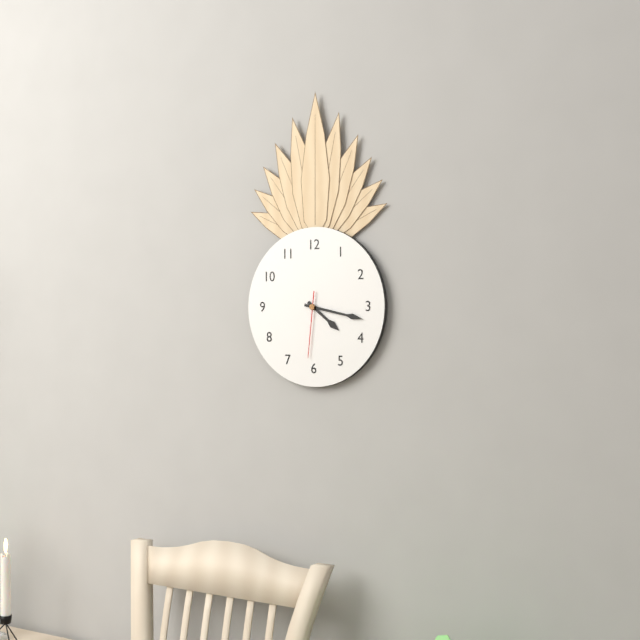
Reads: h=4 m=17 s=31
